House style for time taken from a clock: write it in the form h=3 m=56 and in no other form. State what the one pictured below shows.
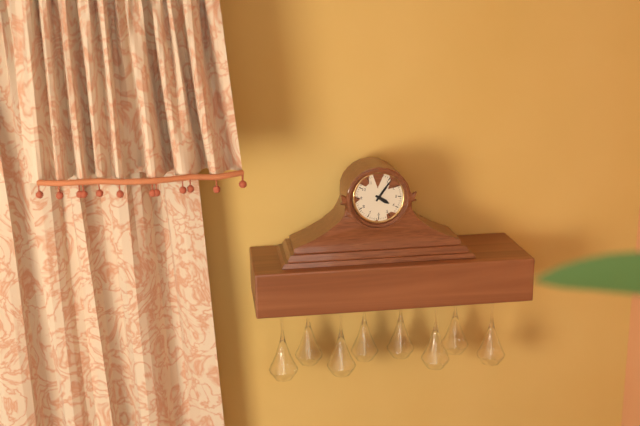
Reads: h=4 m=6
